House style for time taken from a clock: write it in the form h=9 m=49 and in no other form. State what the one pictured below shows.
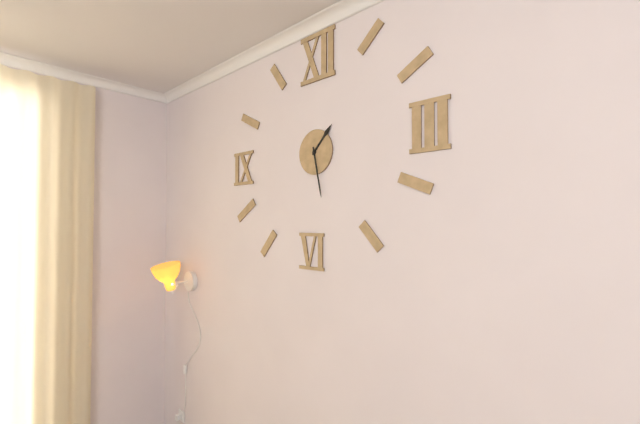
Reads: h=1 m=28
